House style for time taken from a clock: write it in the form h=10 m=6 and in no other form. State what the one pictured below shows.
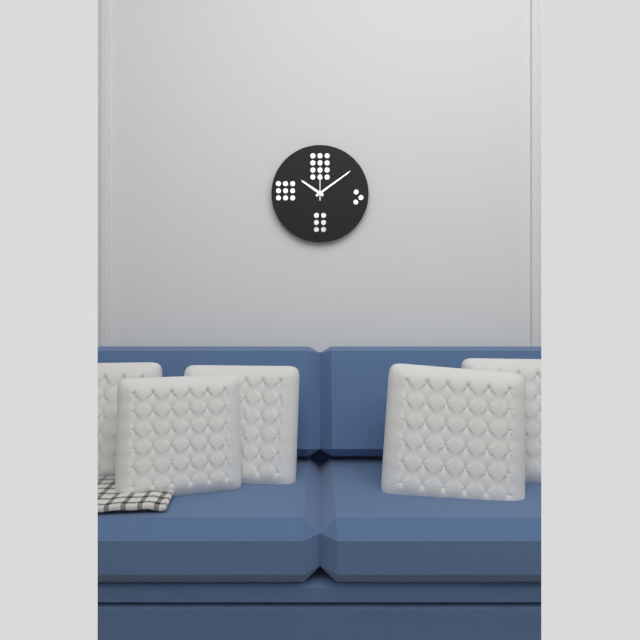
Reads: h=10 m=9
